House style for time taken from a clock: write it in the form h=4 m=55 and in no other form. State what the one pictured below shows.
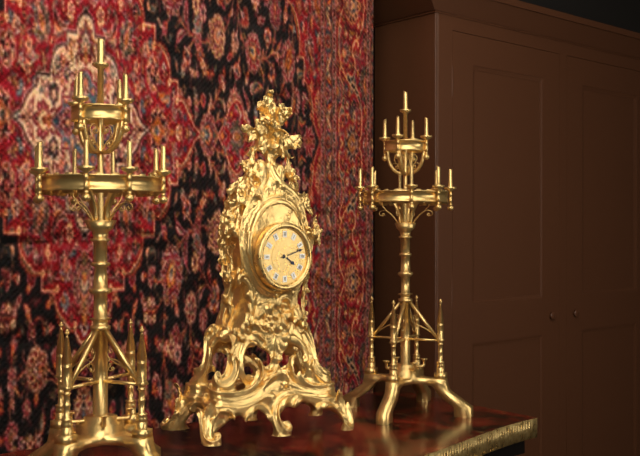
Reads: h=4 m=12
